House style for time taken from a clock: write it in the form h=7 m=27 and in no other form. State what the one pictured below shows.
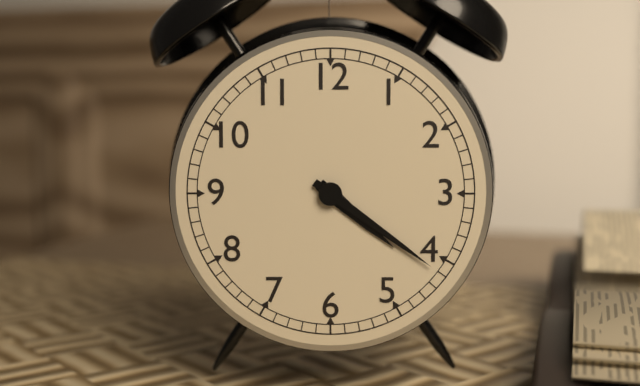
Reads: h=4 m=21
